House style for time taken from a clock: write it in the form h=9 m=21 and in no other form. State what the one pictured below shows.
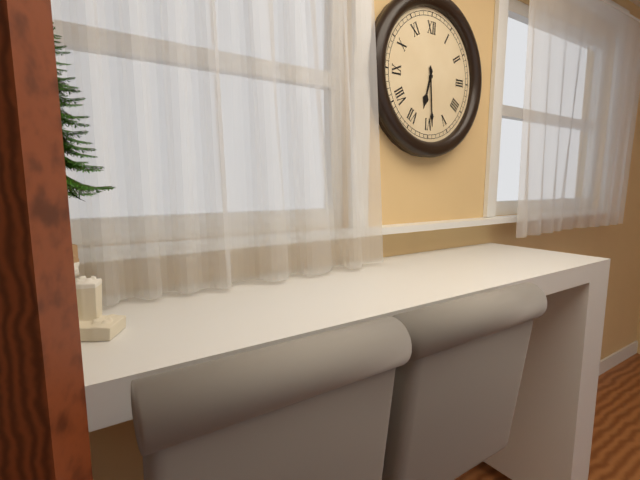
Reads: h=6 m=29
